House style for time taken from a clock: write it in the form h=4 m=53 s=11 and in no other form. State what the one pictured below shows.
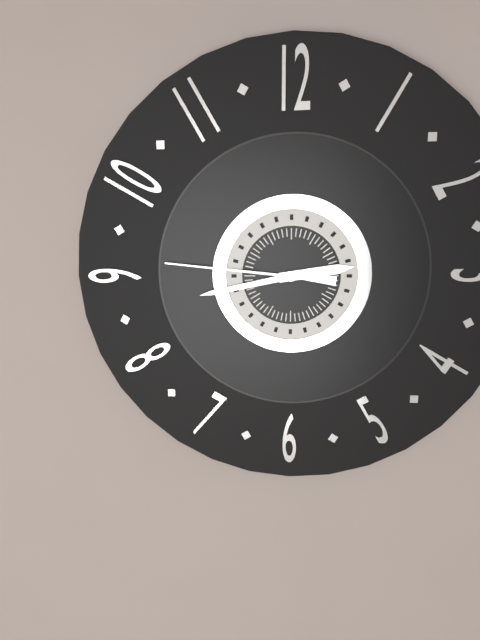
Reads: h=2 m=43 s=46
